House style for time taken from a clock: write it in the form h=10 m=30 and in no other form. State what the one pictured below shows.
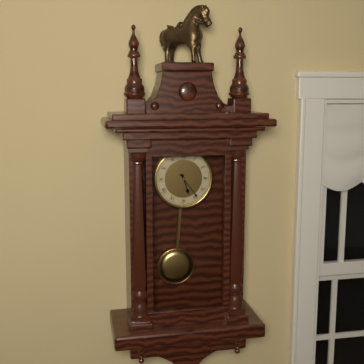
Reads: h=5 m=24
